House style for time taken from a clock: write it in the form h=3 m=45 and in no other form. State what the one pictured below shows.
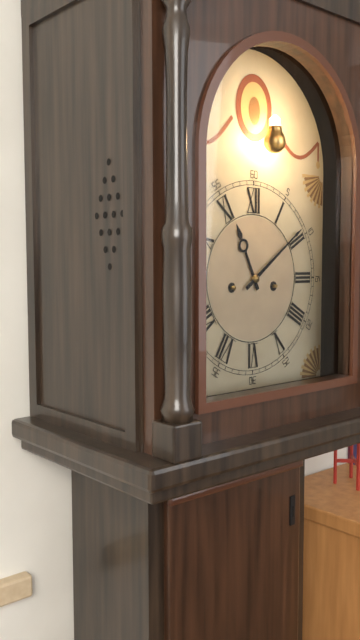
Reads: h=11 m=9
